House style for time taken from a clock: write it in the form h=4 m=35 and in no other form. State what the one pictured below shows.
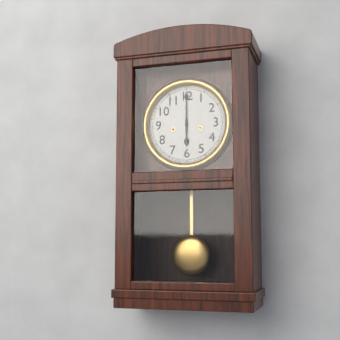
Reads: h=6 m=0
